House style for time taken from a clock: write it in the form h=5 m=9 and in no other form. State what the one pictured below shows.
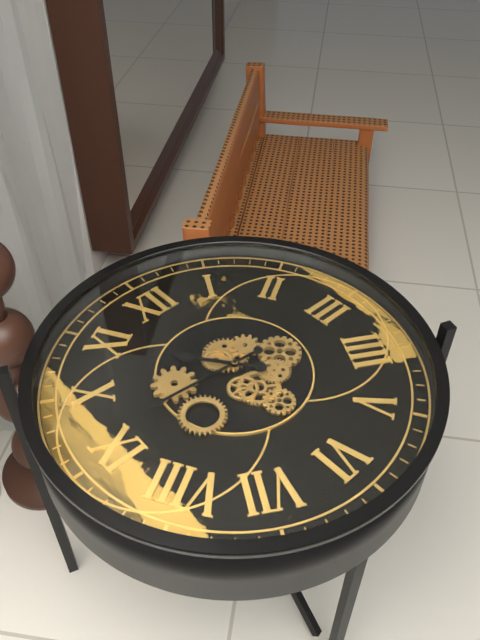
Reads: h=10 m=46
